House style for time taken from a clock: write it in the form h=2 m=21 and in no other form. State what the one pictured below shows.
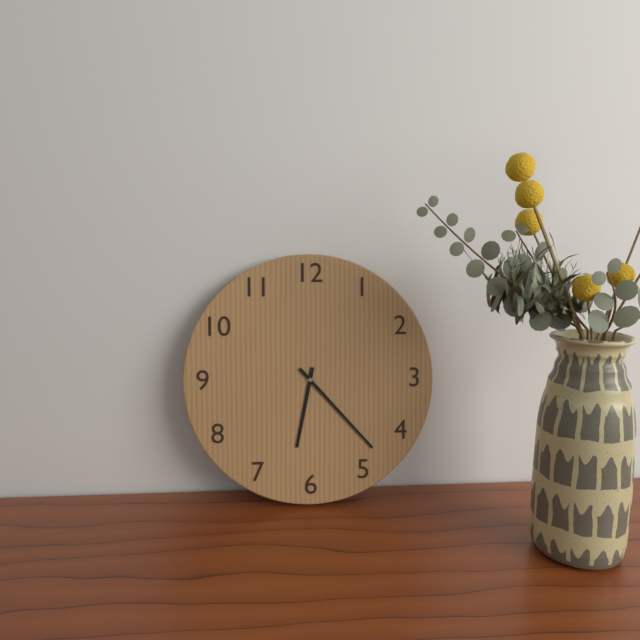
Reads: h=6 m=23
